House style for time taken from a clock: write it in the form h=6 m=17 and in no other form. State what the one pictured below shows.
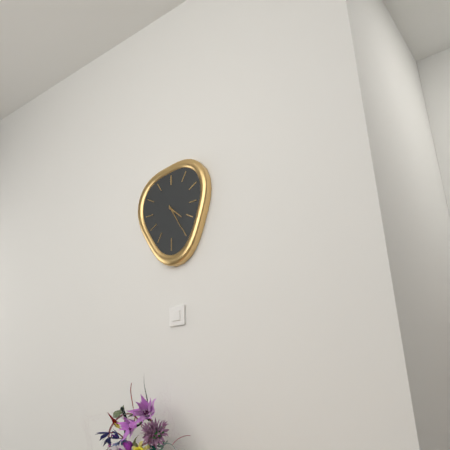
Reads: h=4 m=25
